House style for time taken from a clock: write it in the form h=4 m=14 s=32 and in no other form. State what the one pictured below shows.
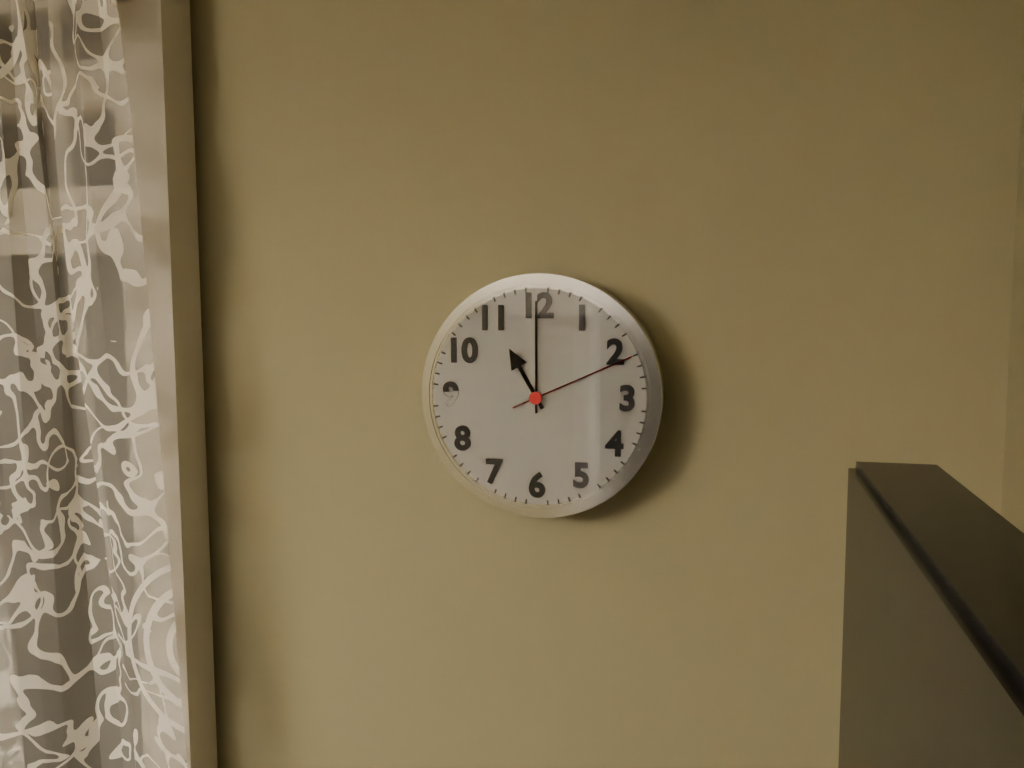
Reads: h=11 m=0 s=11
